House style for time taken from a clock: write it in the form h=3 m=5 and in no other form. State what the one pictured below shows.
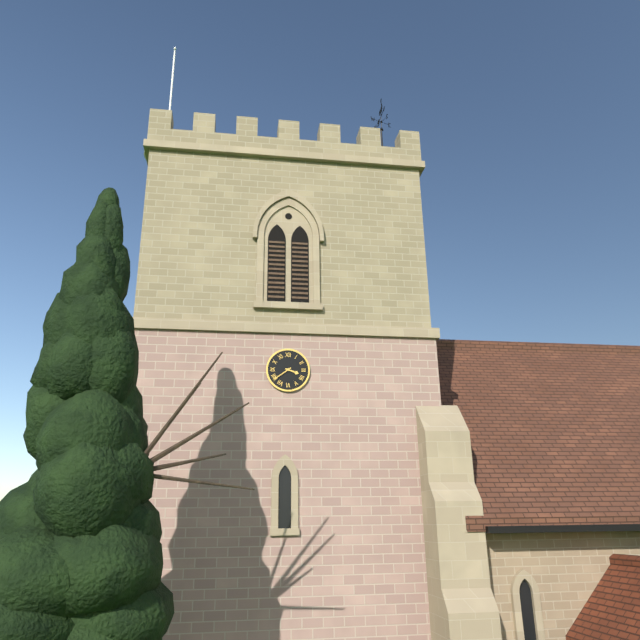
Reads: h=3 m=39
